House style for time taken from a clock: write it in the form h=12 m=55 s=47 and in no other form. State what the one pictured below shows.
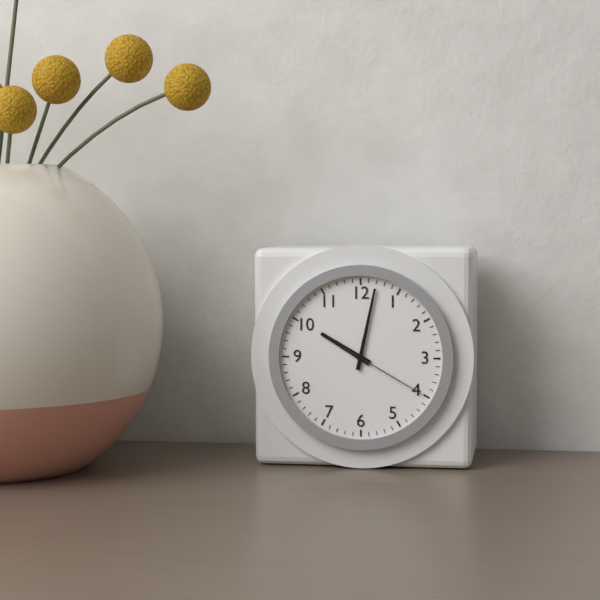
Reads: h=10 m=2 s=20
